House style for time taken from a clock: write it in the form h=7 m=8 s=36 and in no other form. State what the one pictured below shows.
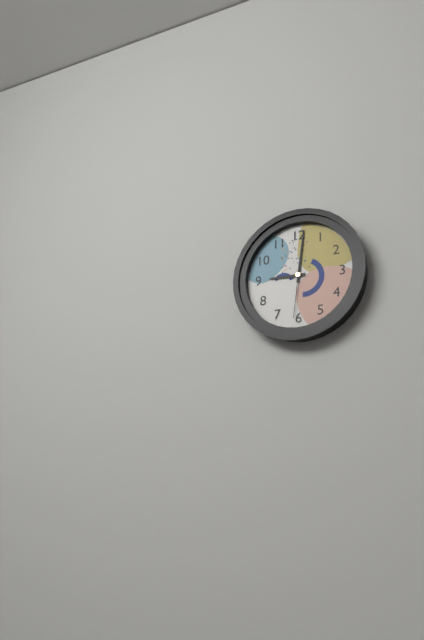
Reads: h=9 m=1 s=31
